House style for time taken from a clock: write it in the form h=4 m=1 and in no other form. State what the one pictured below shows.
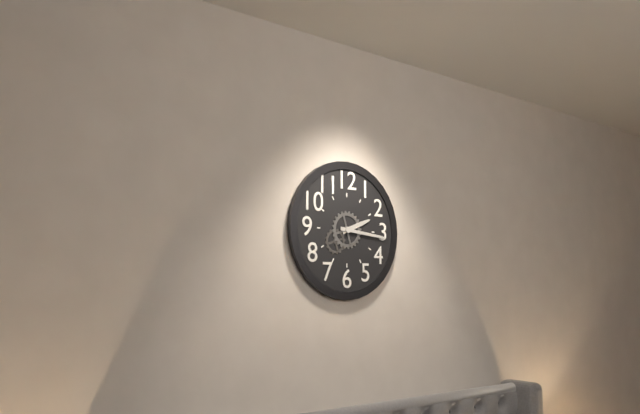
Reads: h=2 m=16
